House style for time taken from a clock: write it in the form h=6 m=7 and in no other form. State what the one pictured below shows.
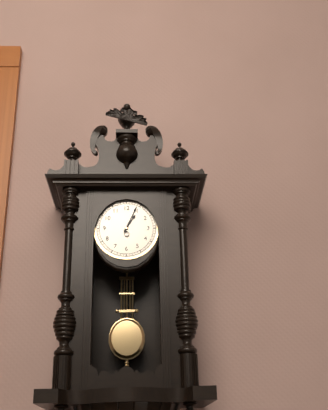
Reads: h=1 m=4
